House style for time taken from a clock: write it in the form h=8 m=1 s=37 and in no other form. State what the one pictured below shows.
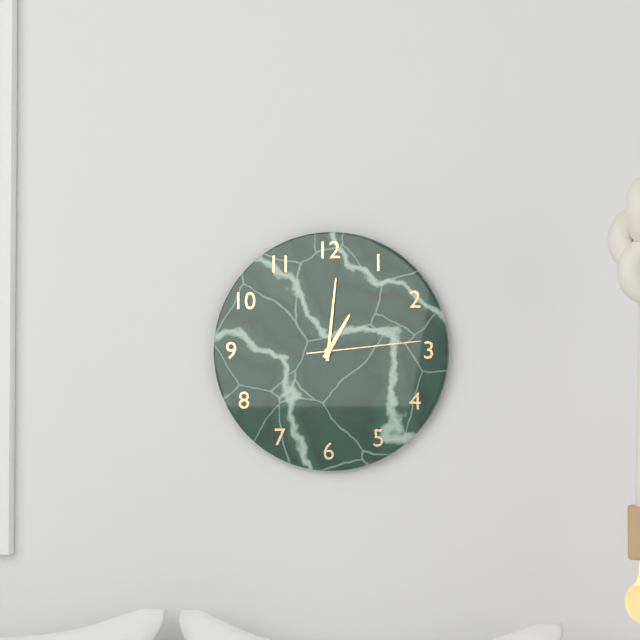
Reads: h=1 m=1 s=14
